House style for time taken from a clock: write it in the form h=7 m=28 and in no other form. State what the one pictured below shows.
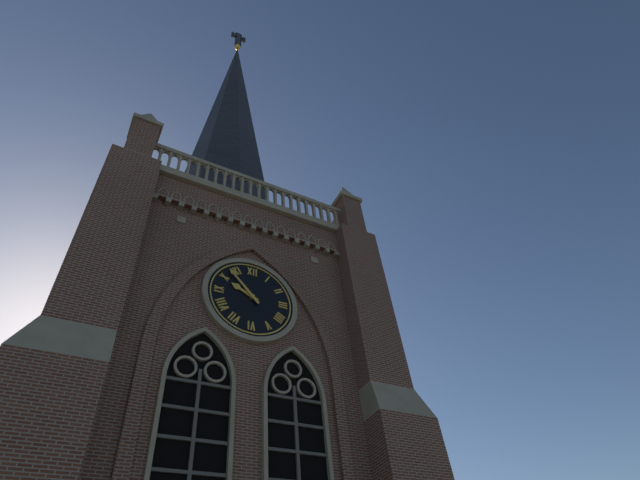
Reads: h=9 m=53
